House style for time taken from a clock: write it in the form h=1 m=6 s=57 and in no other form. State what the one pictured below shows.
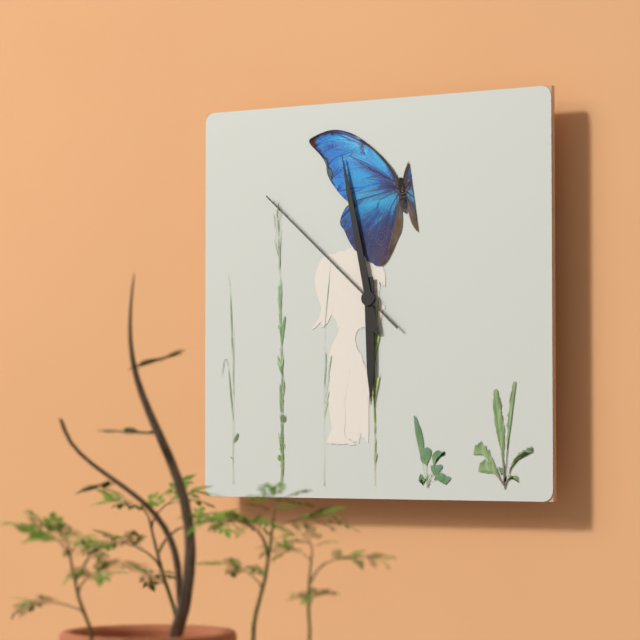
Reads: h=5 m=58 s=52
